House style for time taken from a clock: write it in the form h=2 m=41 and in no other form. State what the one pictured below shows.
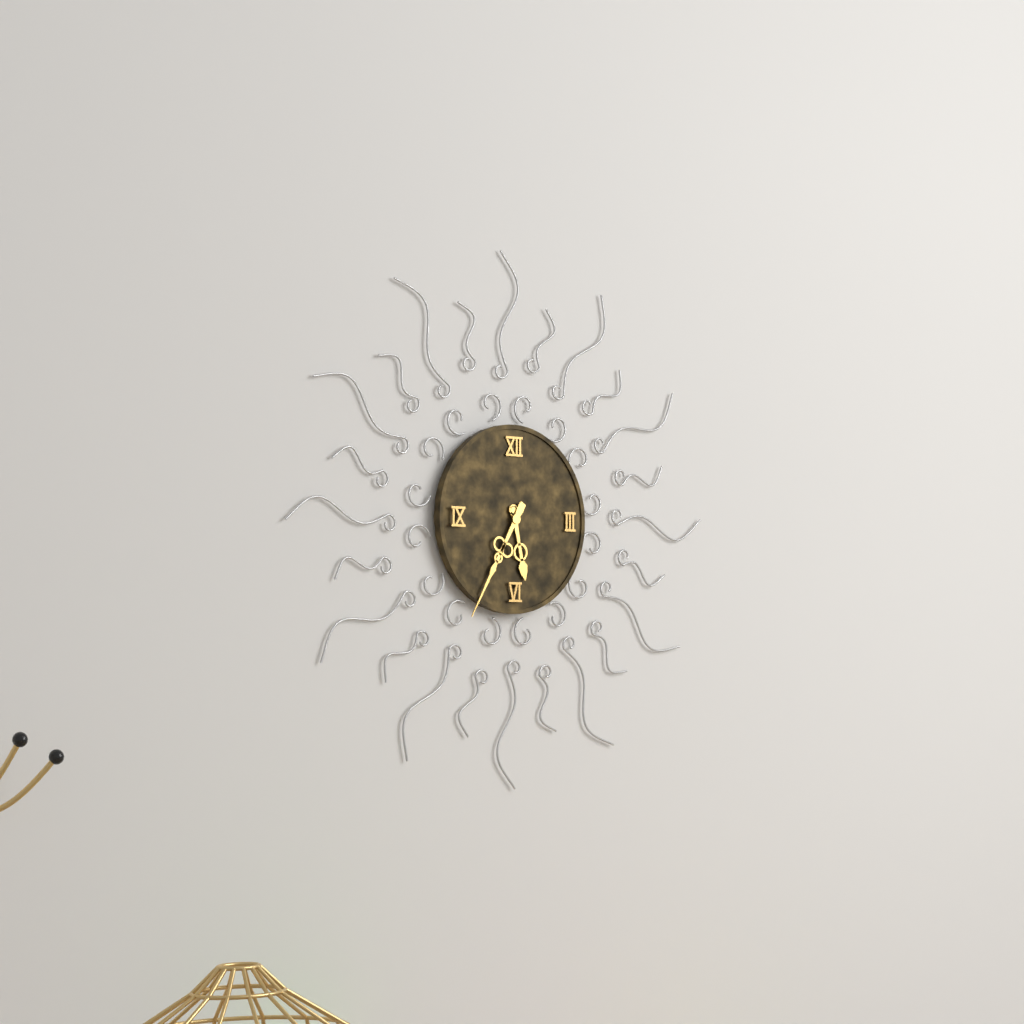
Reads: h=5 m=35
